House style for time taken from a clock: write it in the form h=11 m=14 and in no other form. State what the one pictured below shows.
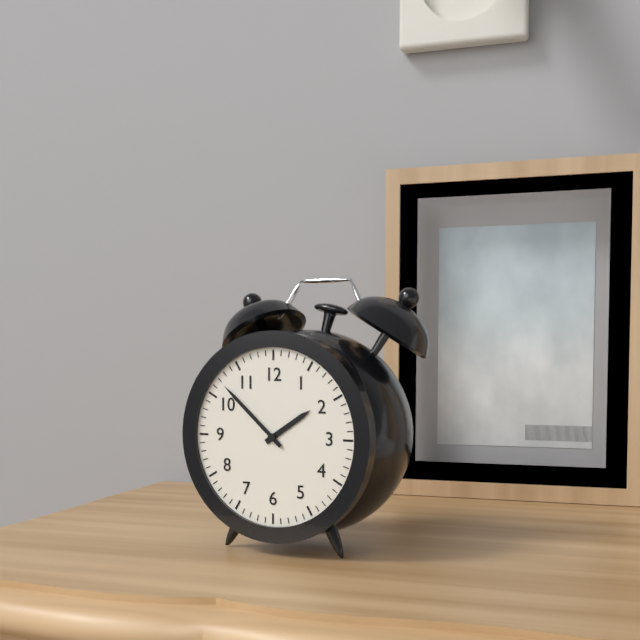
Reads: h=1 m=52
